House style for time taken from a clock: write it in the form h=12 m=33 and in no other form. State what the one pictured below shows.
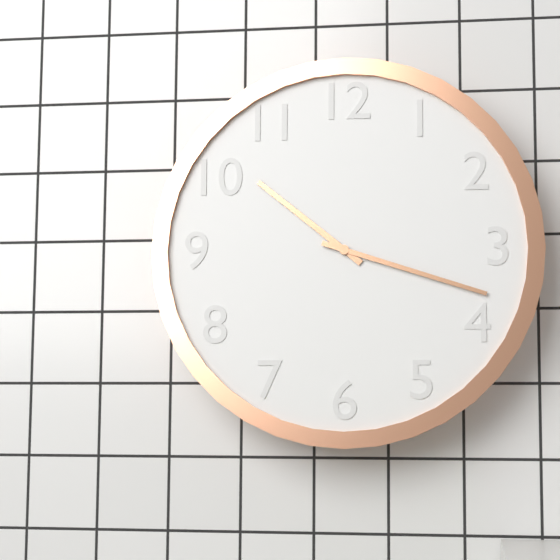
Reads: h=10 m=18
